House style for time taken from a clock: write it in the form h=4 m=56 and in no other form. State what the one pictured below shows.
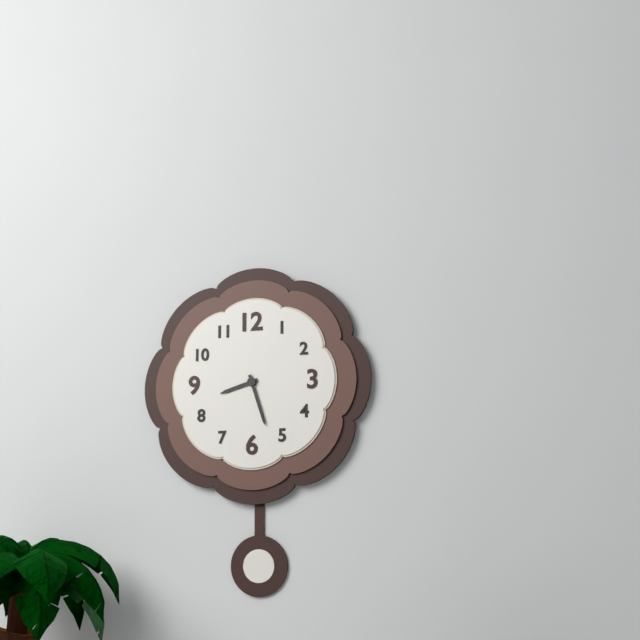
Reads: h=8 m=27
